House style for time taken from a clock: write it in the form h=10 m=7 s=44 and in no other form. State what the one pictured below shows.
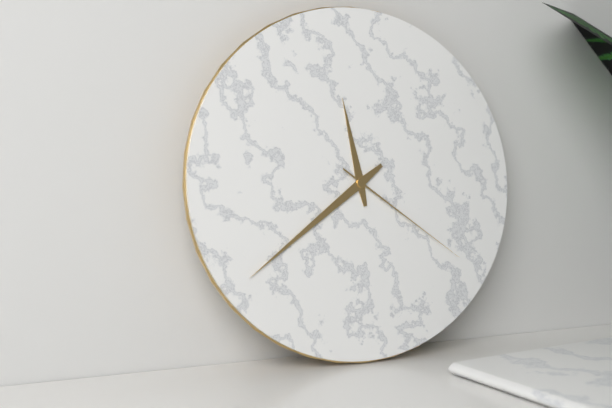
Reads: h=11 m=39 s=21
